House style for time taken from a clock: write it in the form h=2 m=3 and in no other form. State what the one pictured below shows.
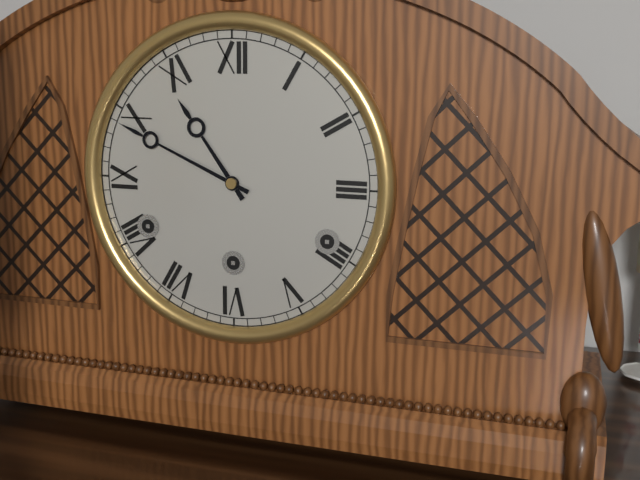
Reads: h=10 m=49
